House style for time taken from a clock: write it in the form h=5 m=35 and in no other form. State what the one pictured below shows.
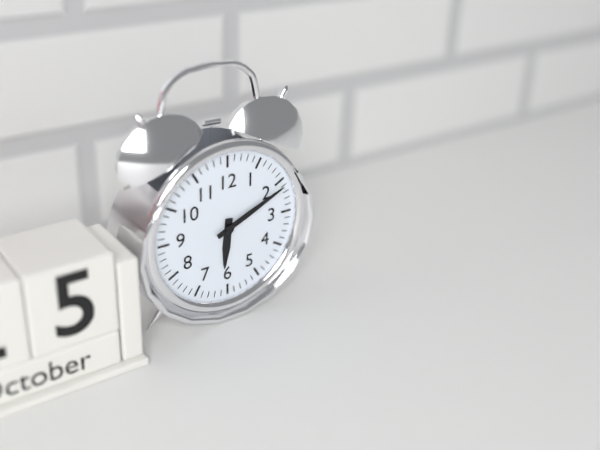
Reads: h=6 m=11
